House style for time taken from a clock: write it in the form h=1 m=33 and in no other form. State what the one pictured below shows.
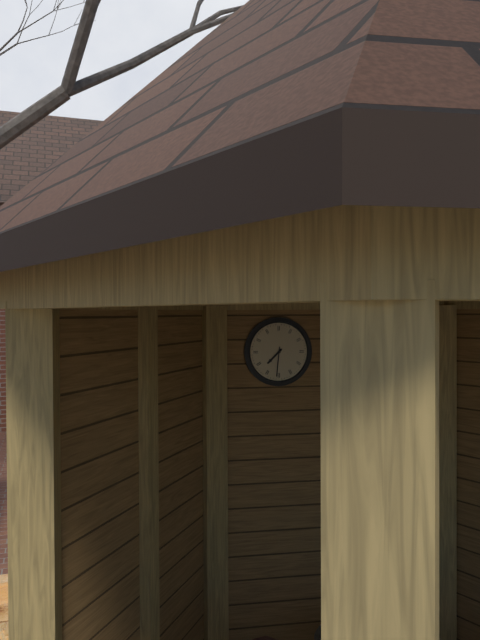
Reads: h=7 m=31
